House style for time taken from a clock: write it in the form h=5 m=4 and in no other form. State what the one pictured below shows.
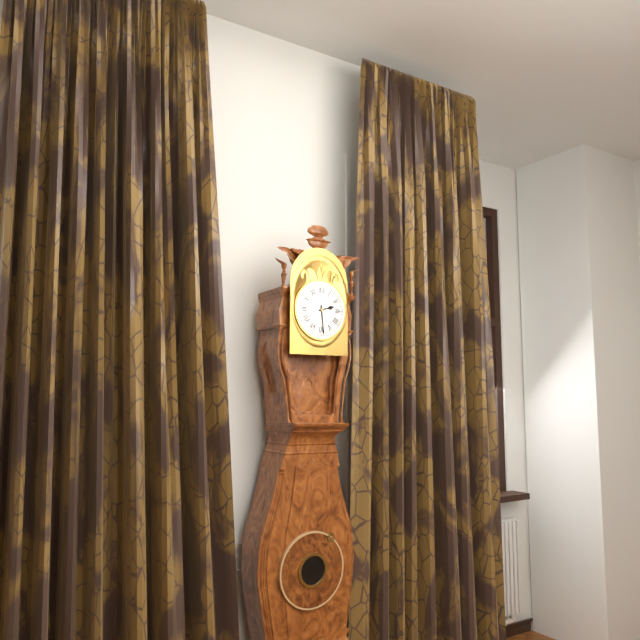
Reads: h=2 m=29
